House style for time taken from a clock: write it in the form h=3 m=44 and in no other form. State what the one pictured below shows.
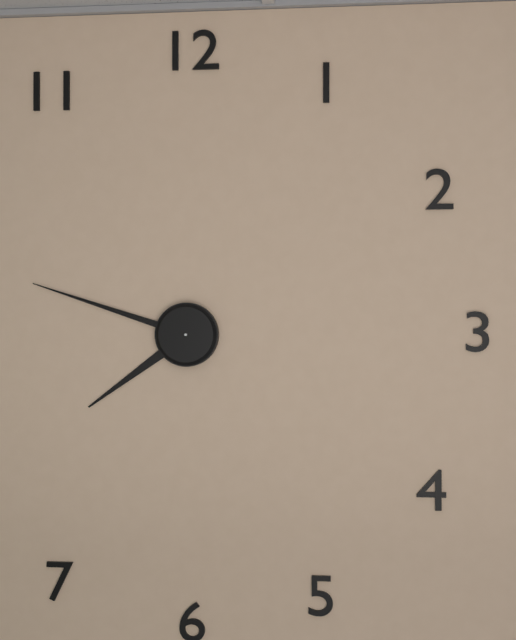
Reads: h=7 m=48
